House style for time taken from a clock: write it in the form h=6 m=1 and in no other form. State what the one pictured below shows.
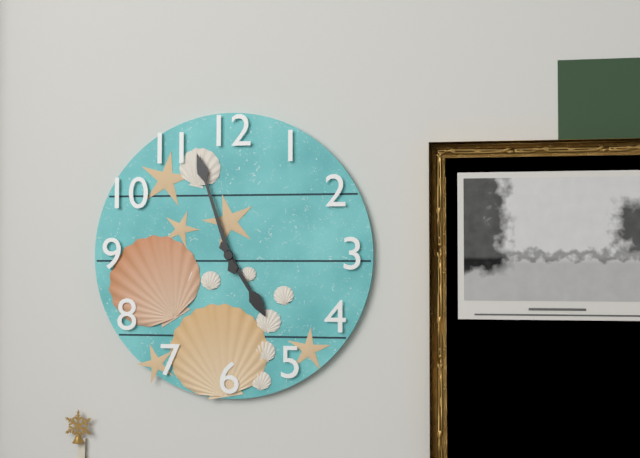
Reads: h=4 m=57
